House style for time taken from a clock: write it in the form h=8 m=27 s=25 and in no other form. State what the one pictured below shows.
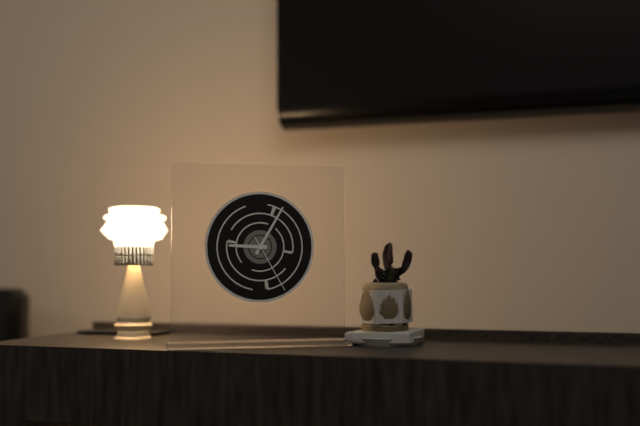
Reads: h=9 m=5 s=25
